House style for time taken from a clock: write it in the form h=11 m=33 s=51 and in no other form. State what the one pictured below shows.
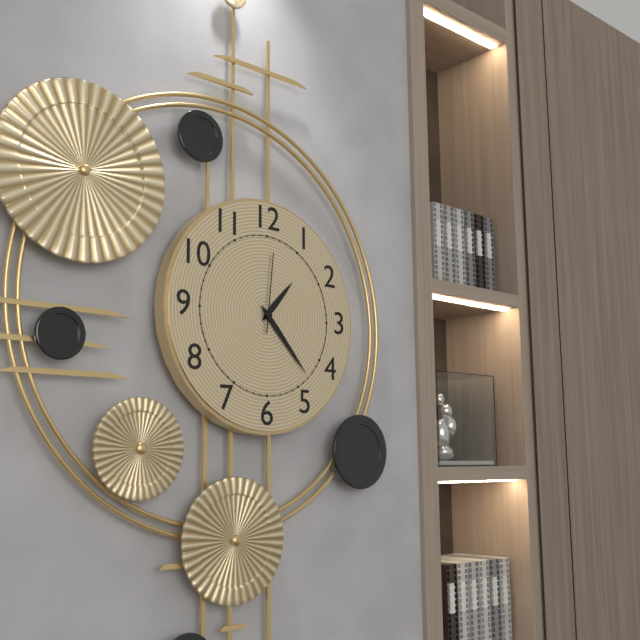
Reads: h=1 m=23 s=1
